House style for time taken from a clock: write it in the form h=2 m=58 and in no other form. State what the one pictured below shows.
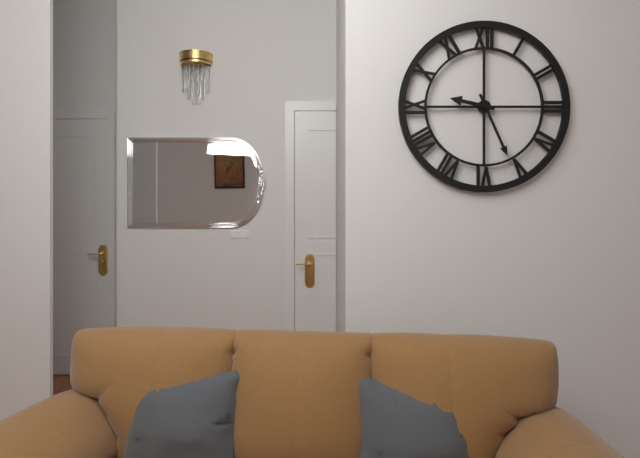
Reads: h=9 m=26
